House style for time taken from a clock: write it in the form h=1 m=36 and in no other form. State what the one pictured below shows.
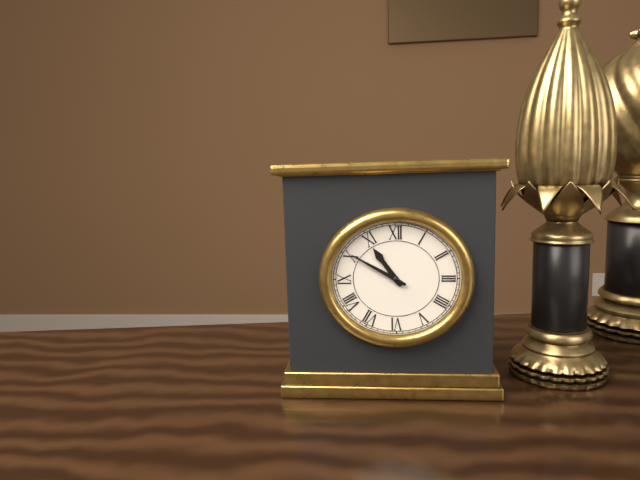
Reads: h=10 m=50
